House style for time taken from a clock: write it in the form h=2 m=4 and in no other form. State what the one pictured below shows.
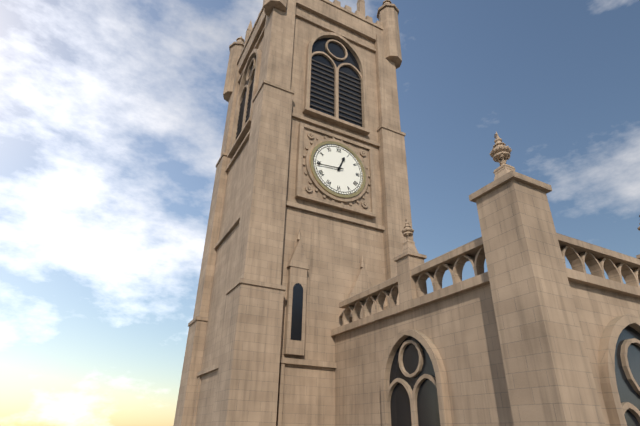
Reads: h=12 m=44
